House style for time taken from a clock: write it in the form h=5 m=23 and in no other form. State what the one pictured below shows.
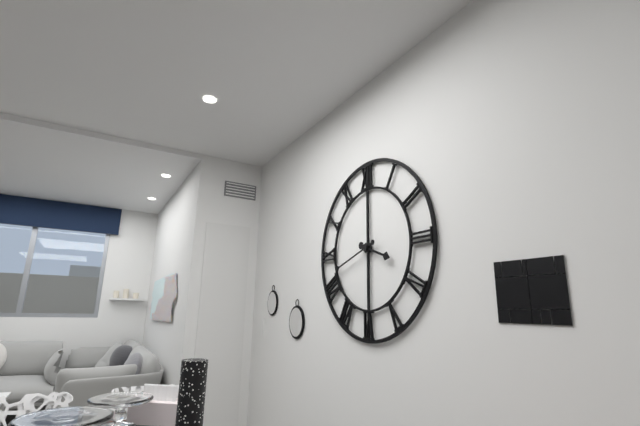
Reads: h=3 m=42
